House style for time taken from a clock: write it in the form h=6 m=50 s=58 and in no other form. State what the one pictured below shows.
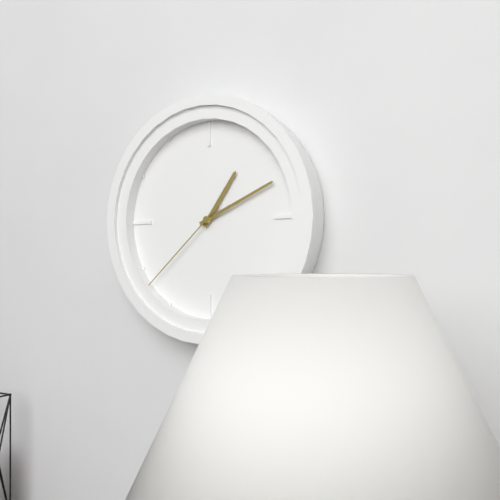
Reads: h=1 m=11 s=38
